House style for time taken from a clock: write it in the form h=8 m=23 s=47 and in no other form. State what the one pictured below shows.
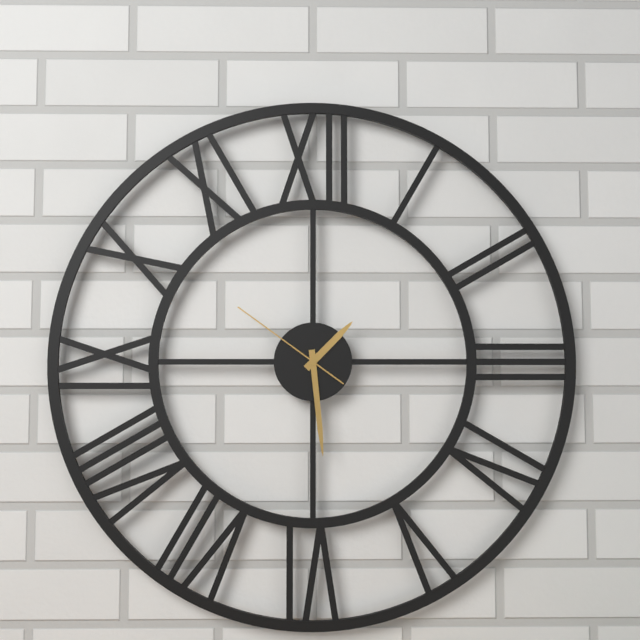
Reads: h=1 m=29 s=51
